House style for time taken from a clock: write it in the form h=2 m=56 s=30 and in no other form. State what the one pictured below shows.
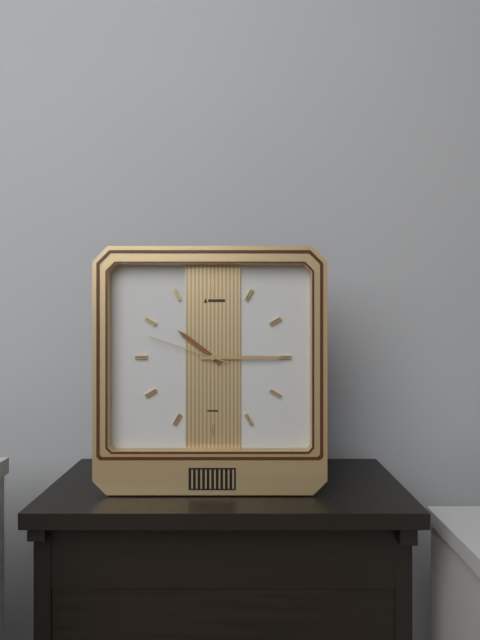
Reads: h=10 m=15 s=48
